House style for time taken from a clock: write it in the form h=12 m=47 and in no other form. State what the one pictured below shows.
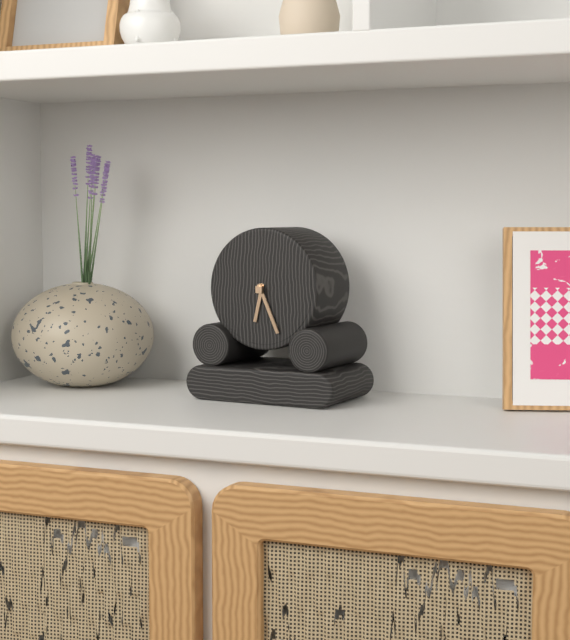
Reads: h=6 m=26
